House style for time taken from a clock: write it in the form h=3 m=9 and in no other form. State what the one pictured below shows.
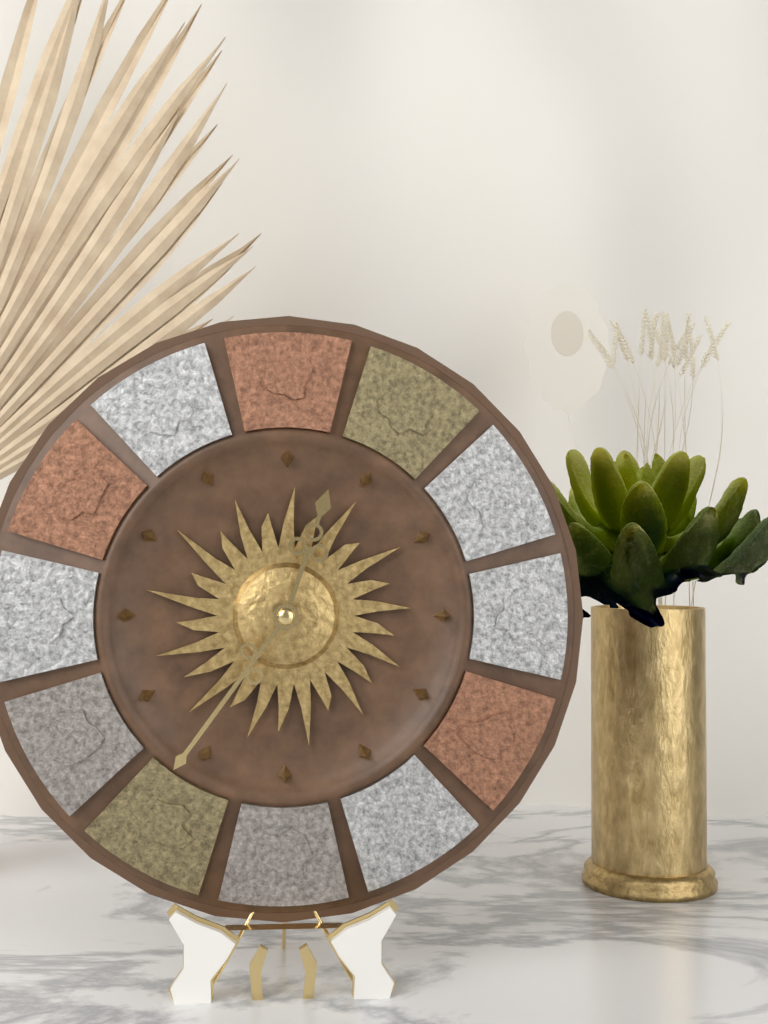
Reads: h=12 m=36
